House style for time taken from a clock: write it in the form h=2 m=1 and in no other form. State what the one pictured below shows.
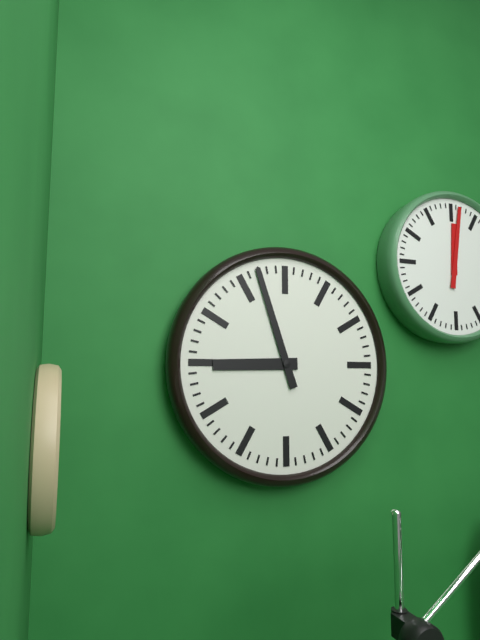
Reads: h=8 m=57
